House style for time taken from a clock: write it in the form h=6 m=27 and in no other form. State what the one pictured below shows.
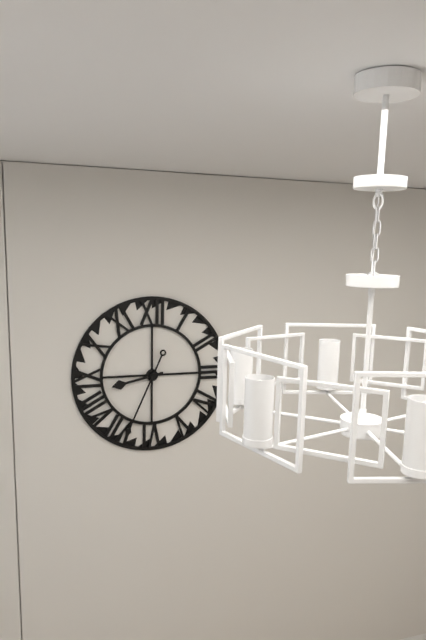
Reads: h=8 m=34
